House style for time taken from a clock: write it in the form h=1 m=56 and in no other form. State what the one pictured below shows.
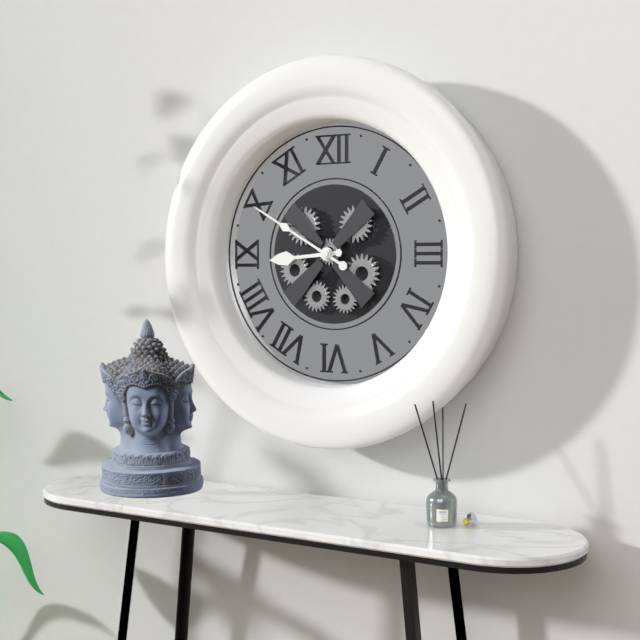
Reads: h=8 m=50
